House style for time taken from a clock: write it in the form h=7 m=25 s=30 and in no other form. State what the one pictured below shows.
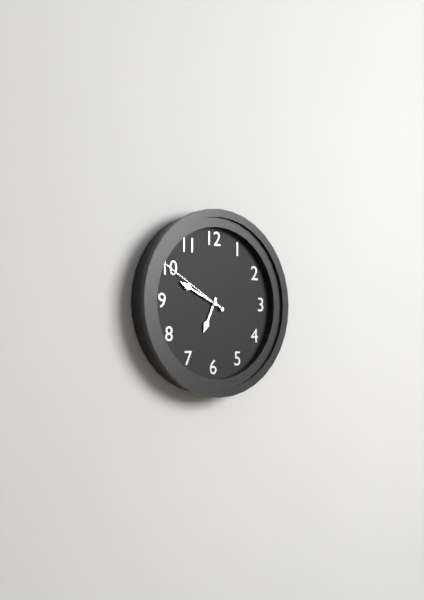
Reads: h=6 m=49 s=50
